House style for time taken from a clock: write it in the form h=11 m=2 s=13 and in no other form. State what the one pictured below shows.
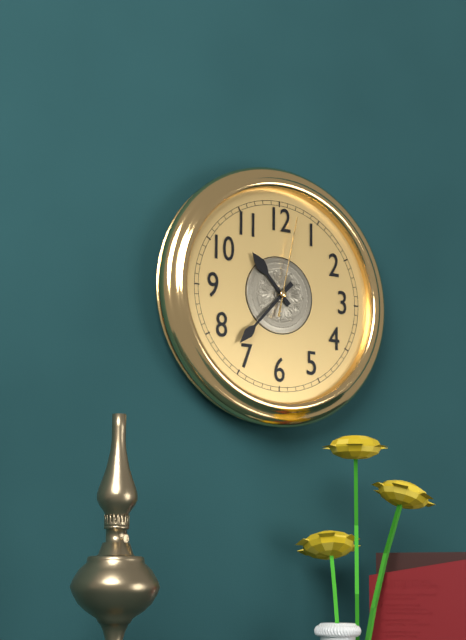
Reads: h=10 m=37 s=2
